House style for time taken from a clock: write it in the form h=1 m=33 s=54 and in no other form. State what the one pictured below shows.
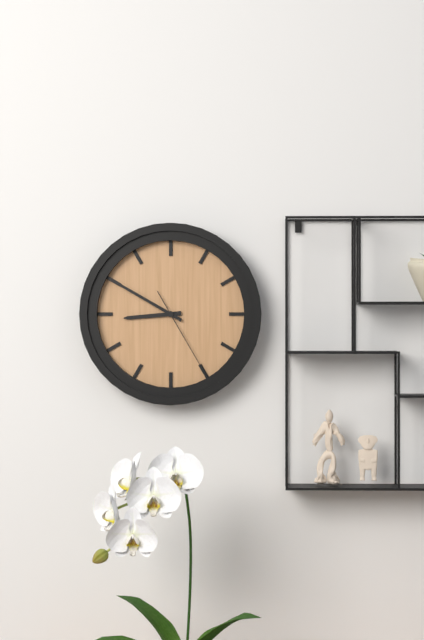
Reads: h=8 m=50 s=25
